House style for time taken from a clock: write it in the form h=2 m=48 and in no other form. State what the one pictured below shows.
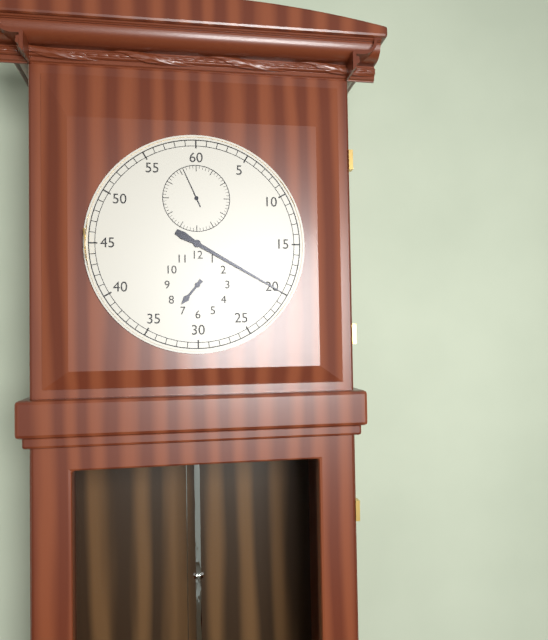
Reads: h=7 m=20
